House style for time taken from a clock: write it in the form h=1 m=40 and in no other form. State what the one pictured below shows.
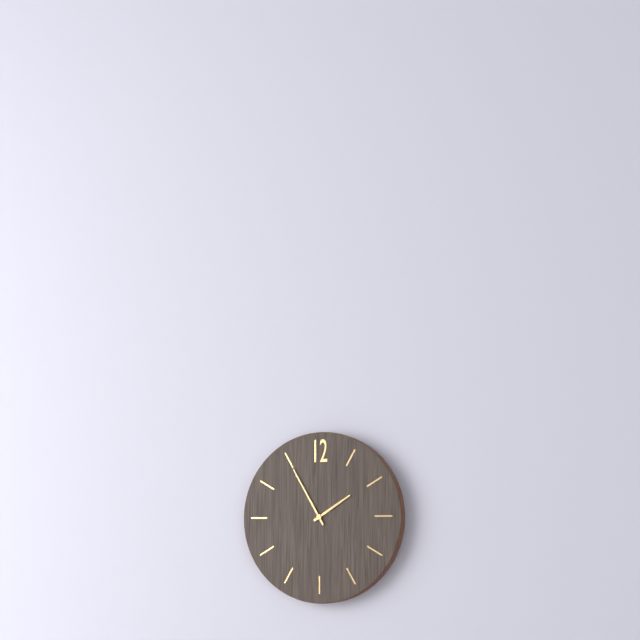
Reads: h=1 m=55
